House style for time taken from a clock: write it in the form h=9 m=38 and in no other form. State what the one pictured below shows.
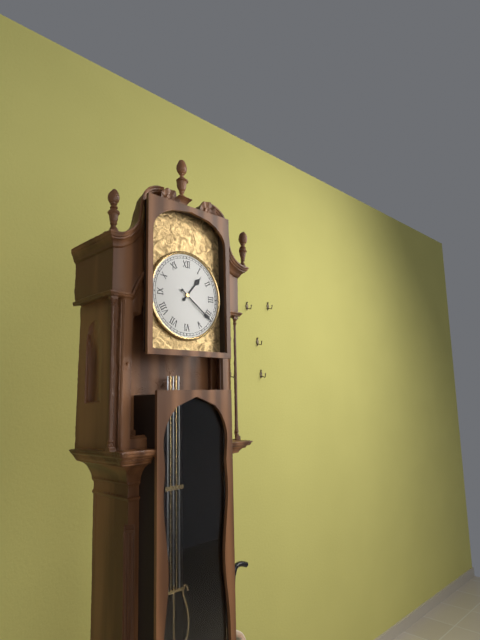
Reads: h=1 m=21
